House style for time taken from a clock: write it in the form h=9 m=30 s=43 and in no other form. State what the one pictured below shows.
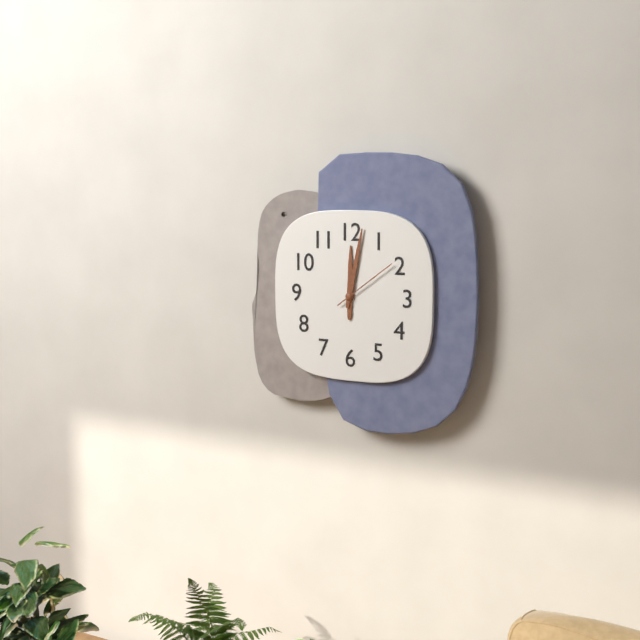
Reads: h=12 m=2 s=9
